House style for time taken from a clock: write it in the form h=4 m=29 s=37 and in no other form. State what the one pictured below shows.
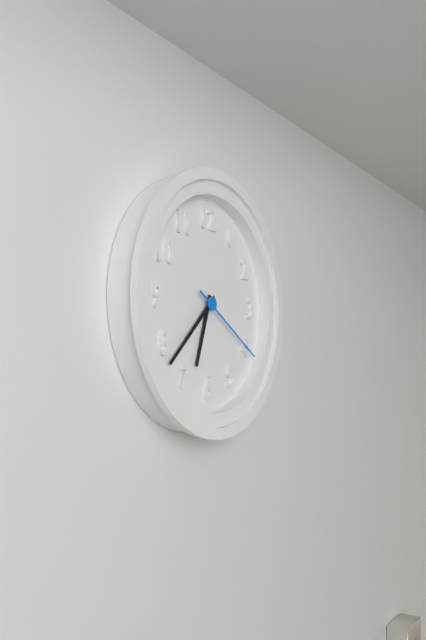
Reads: h=6 m=38 s=20
